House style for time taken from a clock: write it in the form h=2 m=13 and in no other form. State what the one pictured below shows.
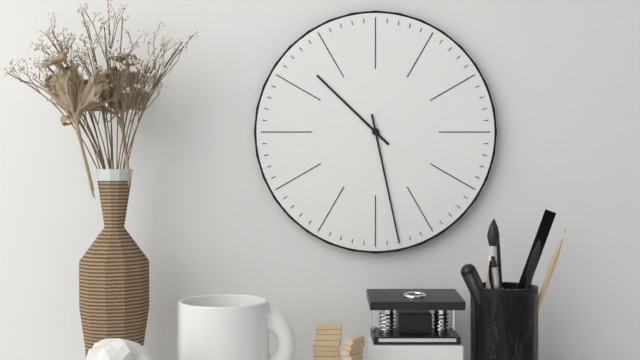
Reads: h=10 m=28
